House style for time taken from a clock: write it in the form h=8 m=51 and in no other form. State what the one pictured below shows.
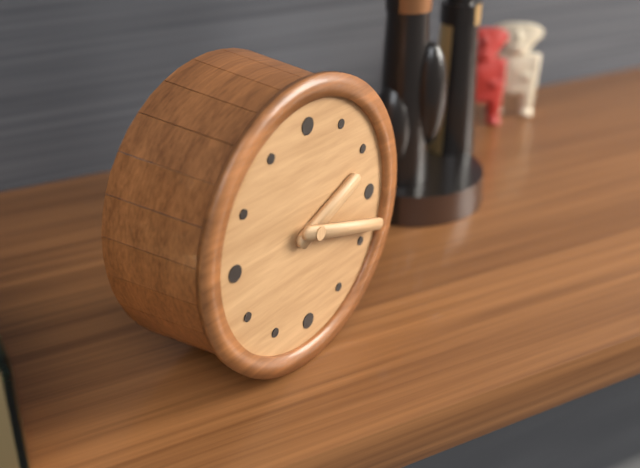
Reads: h=2 m=18
